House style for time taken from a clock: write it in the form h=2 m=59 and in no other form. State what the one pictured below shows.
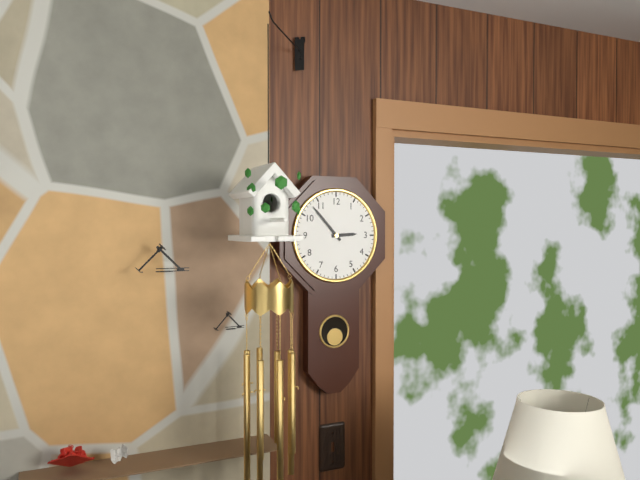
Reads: h=2 m=53
